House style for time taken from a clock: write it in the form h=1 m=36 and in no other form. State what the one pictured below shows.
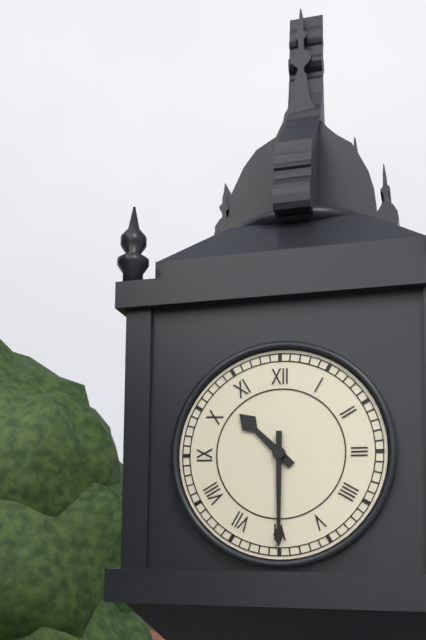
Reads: h=10 m=30
